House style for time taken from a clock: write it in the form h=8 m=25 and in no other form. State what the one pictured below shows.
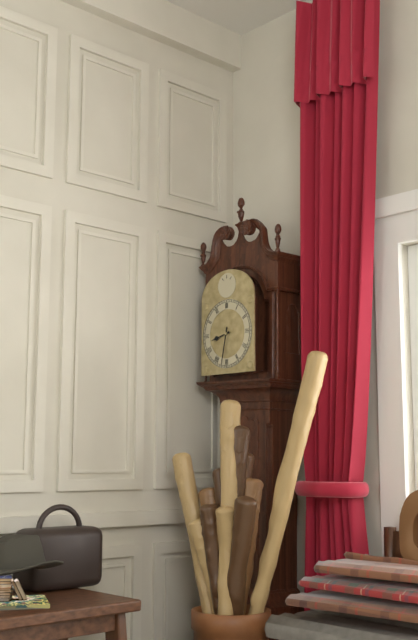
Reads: h=8 m=32
